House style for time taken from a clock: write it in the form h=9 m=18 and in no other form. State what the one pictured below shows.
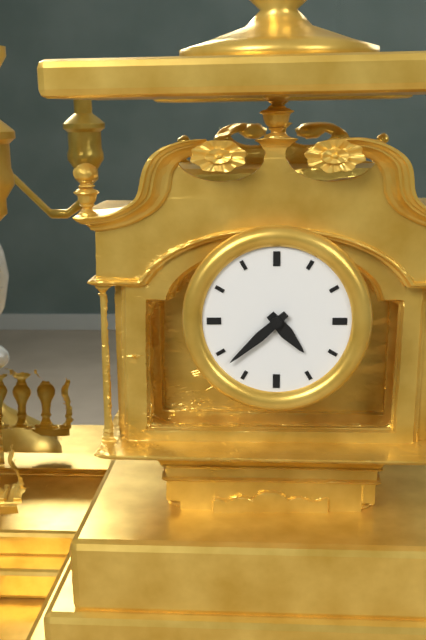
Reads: h=4 m=38
